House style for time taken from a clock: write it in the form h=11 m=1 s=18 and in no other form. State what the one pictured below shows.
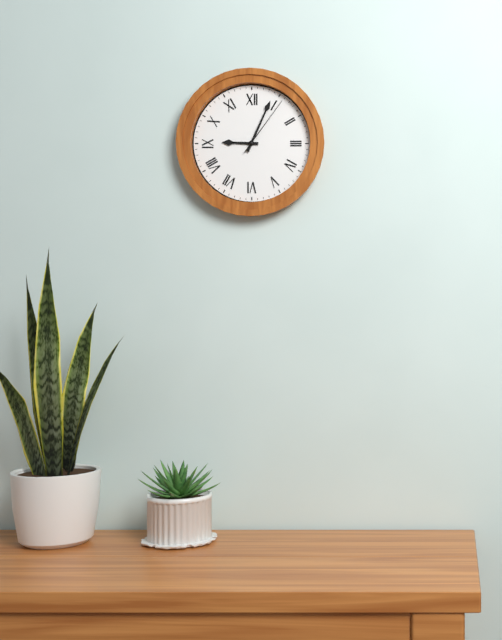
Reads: h=9 m=4 s=6
